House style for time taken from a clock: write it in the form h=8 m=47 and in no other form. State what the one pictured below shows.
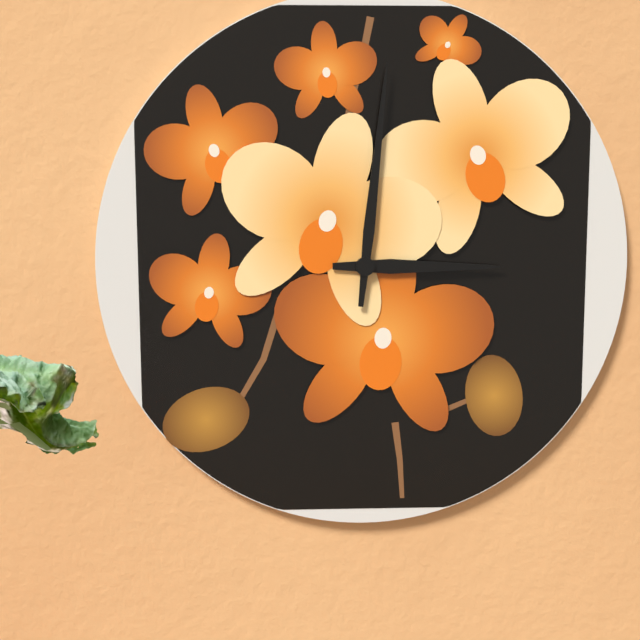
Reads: h=3 m=1
